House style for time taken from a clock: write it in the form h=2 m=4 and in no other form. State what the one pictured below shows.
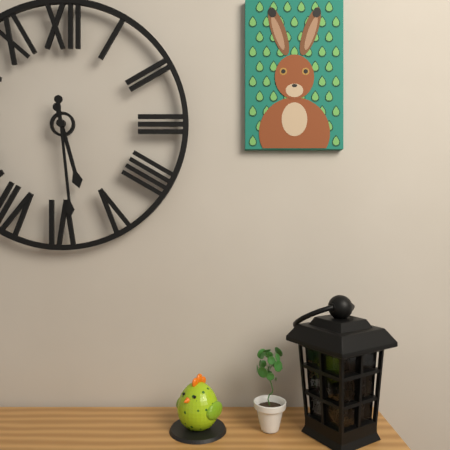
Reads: h=5 m=29
